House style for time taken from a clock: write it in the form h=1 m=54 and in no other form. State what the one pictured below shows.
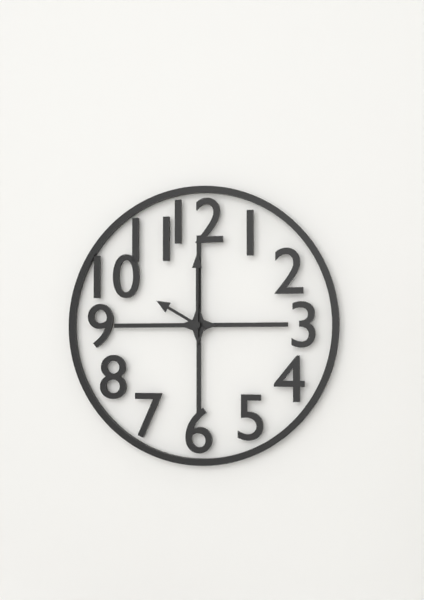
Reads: h=10 m=0
